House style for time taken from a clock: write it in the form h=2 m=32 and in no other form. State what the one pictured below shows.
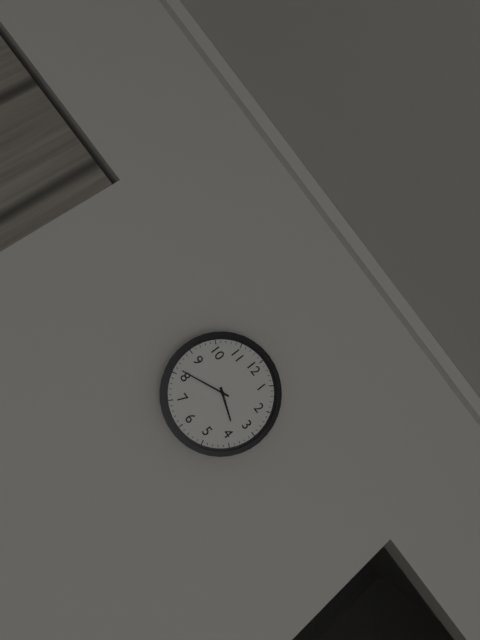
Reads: h=3 m=41
